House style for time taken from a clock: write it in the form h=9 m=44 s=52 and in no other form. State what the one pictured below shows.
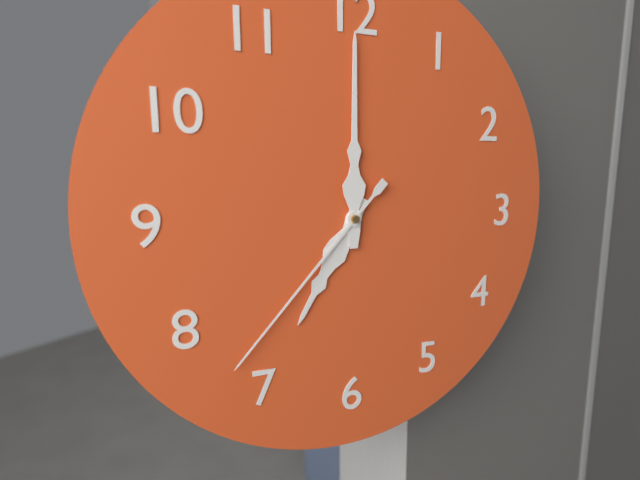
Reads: h=7 m=0 s=37
